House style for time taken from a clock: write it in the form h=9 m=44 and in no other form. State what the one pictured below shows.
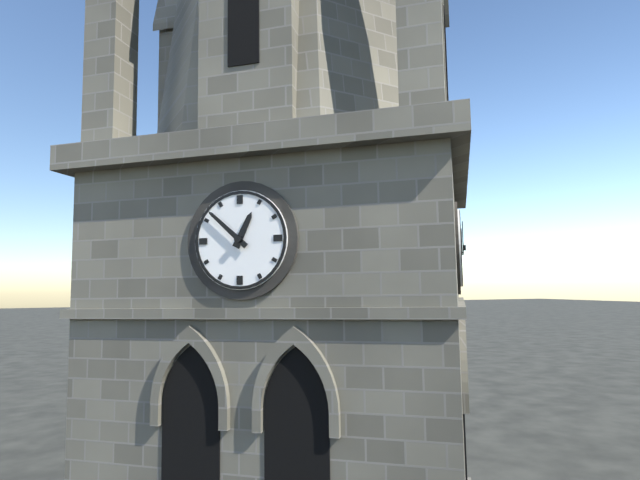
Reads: h=12 m=52
